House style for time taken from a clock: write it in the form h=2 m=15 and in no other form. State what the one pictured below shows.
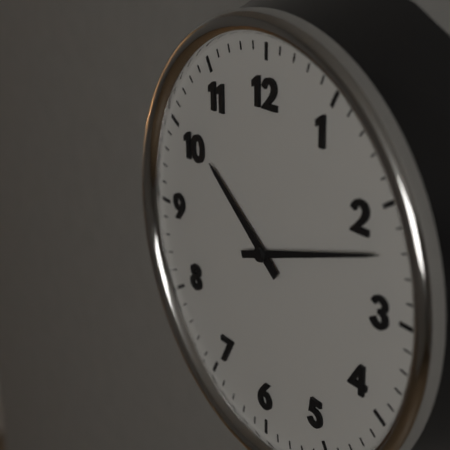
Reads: h=10 m=12
